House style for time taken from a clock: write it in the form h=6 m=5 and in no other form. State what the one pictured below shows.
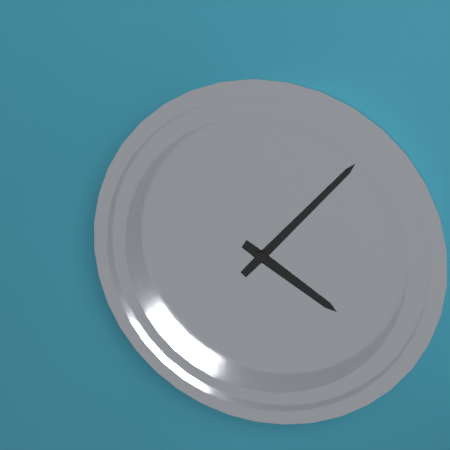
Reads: h=4 m=7
